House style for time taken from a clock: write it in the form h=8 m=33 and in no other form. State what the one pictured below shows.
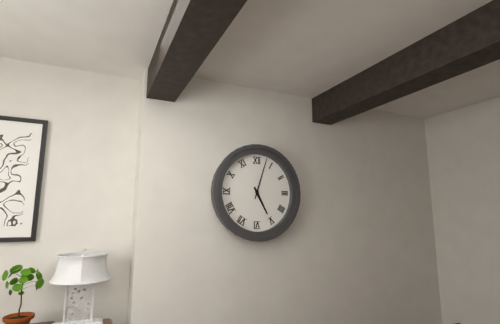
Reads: h=5 m=3
